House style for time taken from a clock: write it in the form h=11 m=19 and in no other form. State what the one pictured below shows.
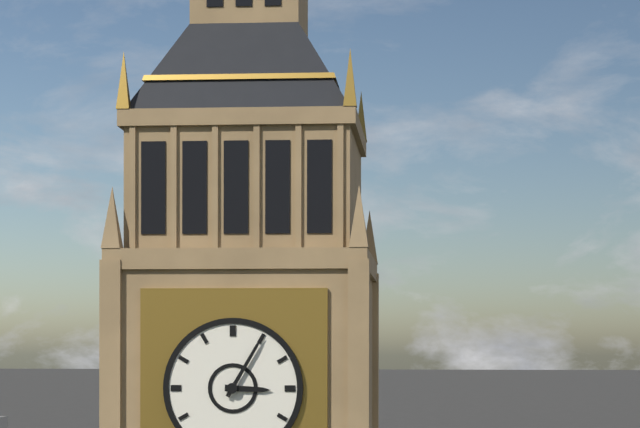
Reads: h=3 m=5
